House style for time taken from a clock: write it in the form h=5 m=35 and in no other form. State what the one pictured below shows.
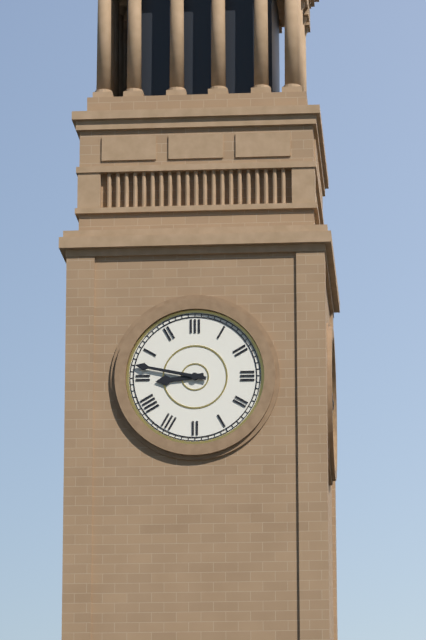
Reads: h=8 m=47
